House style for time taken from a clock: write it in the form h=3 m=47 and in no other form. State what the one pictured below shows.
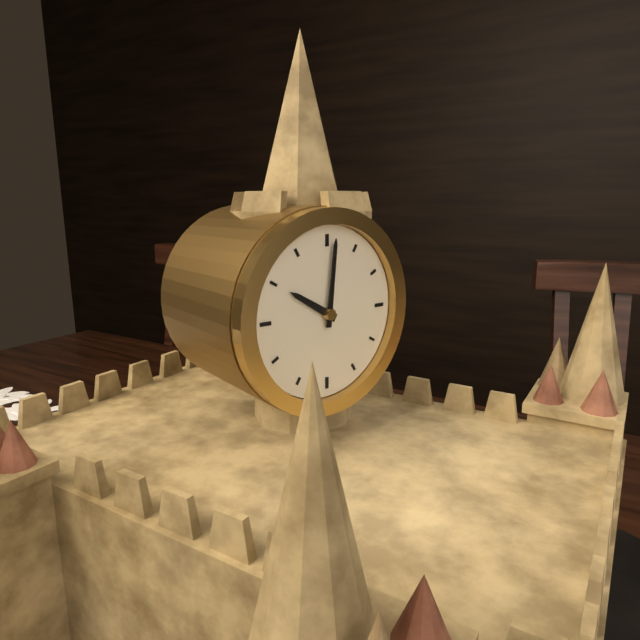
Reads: h=10 m=1
